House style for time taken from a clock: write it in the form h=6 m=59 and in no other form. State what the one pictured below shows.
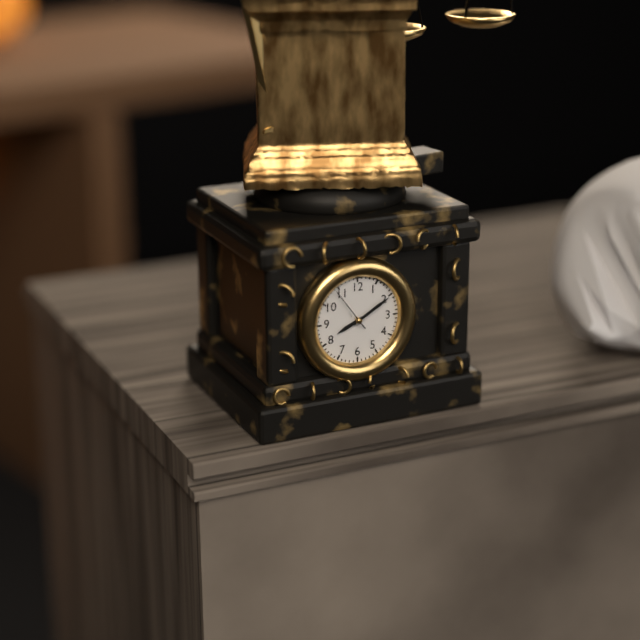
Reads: h=8 m=10
